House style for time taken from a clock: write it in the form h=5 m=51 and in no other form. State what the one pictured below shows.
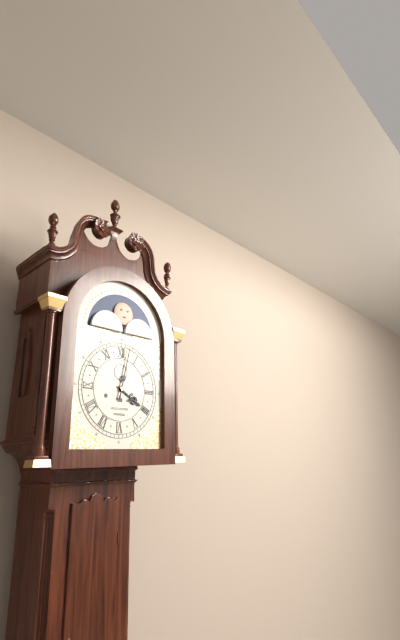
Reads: h=4 m=2
